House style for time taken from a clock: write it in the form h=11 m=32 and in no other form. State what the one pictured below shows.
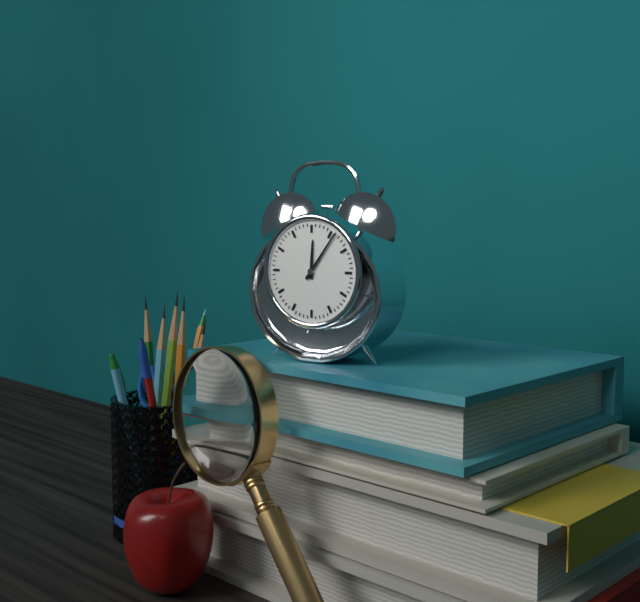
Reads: h=12 m=6
